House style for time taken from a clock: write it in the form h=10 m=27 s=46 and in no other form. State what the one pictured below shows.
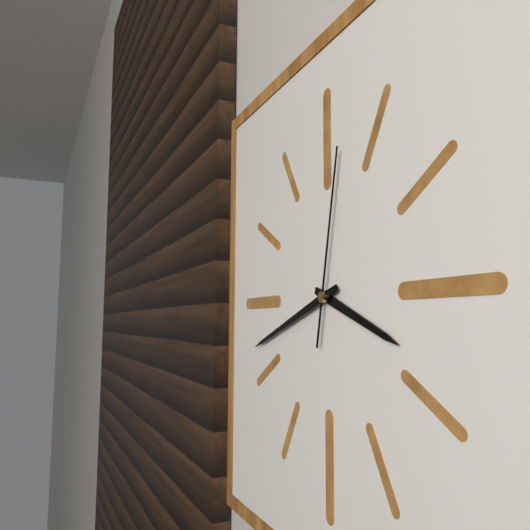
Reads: h=3 m=42 s=2
